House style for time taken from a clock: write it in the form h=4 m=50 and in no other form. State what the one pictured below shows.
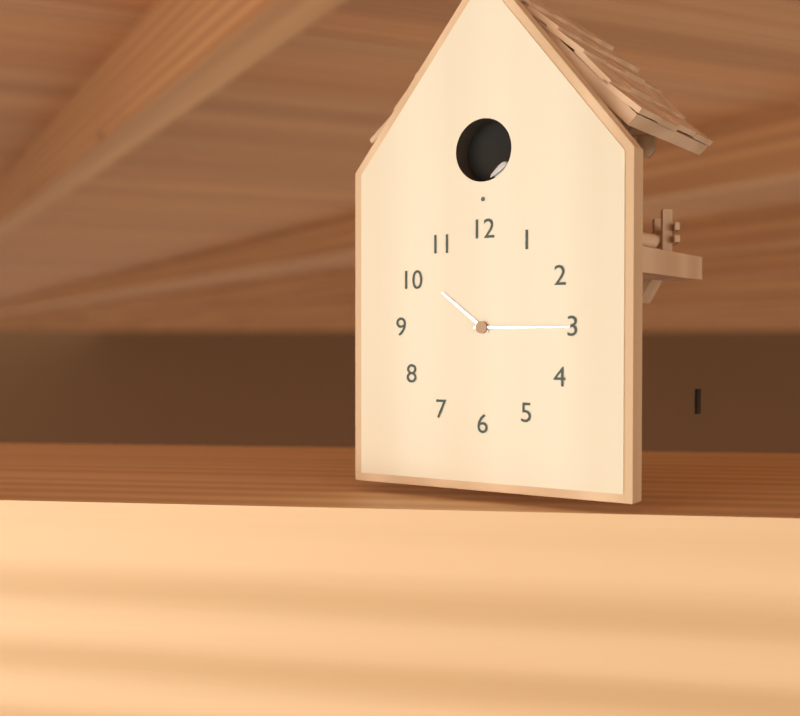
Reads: h=10 m=15
